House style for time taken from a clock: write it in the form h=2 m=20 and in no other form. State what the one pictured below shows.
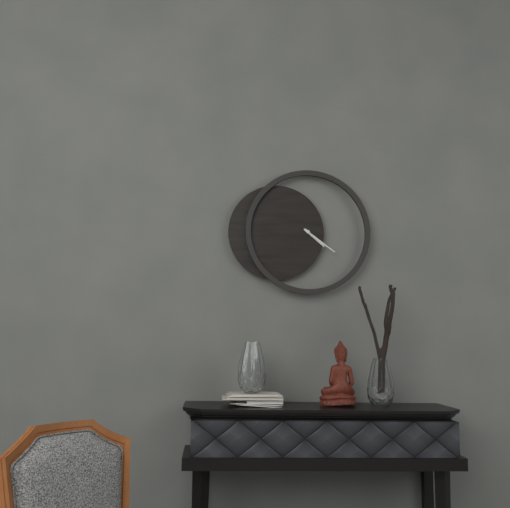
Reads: h=4 m=21
